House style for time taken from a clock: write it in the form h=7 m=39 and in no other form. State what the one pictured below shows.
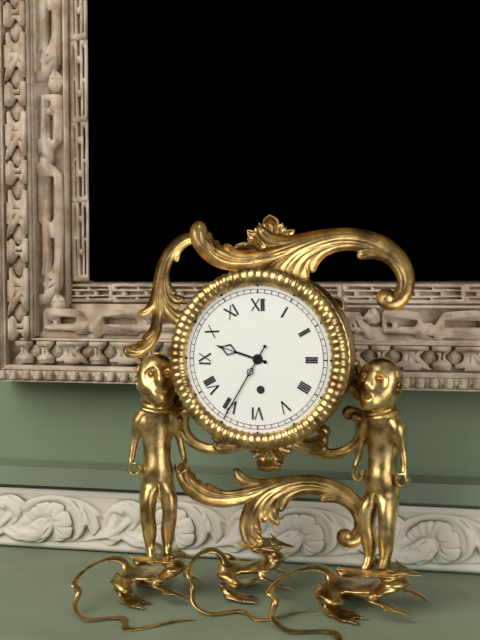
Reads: h=9 m=35
